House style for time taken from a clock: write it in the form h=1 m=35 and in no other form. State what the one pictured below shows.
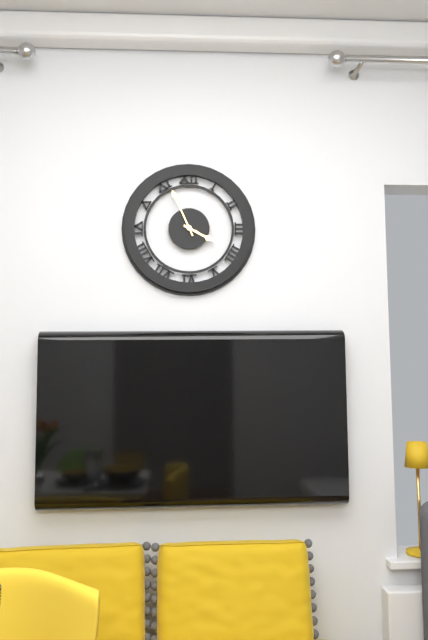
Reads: h=3 m=56
